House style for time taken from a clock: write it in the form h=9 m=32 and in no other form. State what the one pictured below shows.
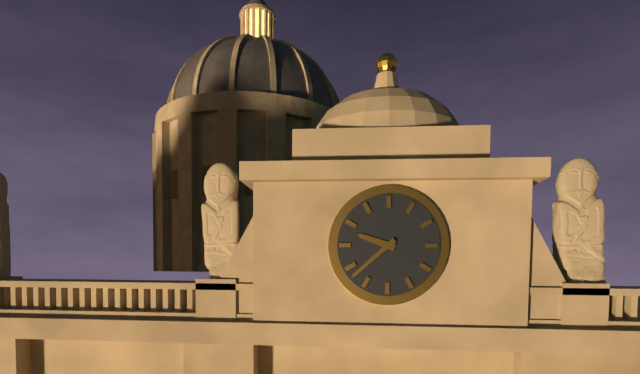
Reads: h=9 m=38
